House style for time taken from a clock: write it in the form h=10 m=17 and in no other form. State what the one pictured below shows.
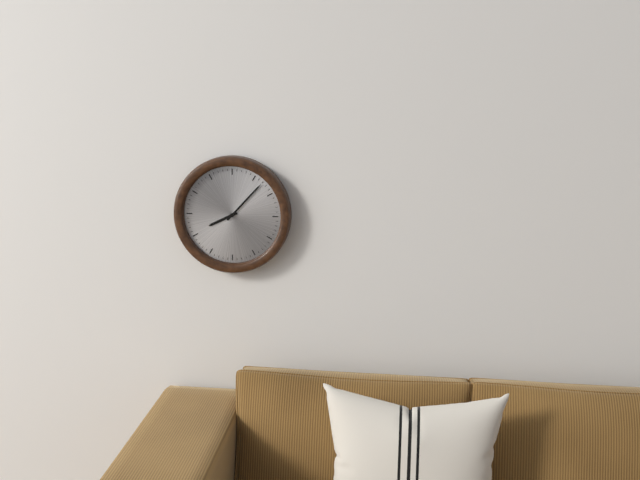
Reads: h=8 m=7
